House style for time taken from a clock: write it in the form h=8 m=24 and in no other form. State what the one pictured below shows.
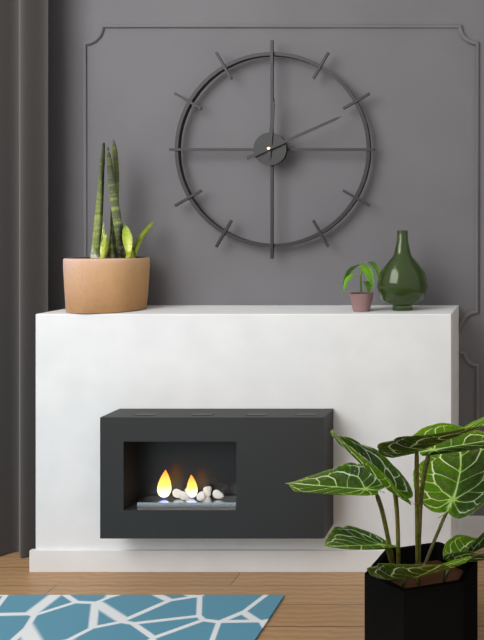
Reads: h=12 m=11
